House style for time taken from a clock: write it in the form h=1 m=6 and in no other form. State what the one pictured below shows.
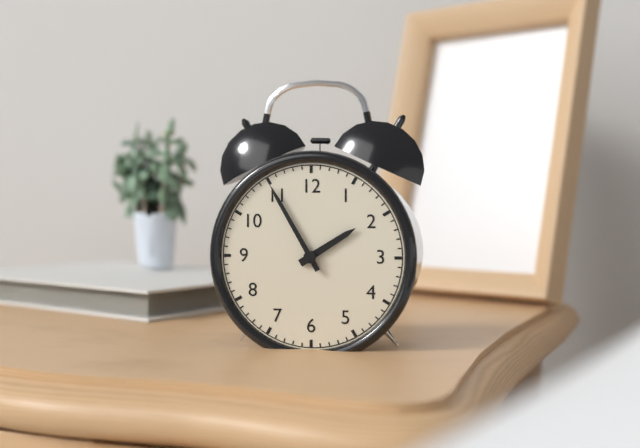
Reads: h=1 m=55
